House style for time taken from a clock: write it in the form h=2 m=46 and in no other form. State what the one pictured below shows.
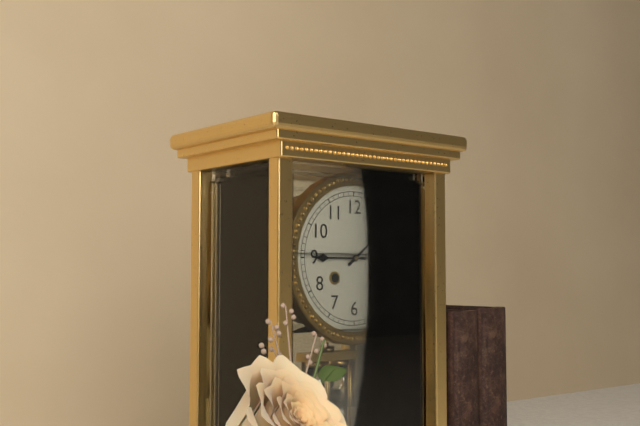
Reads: h=1 m=45
